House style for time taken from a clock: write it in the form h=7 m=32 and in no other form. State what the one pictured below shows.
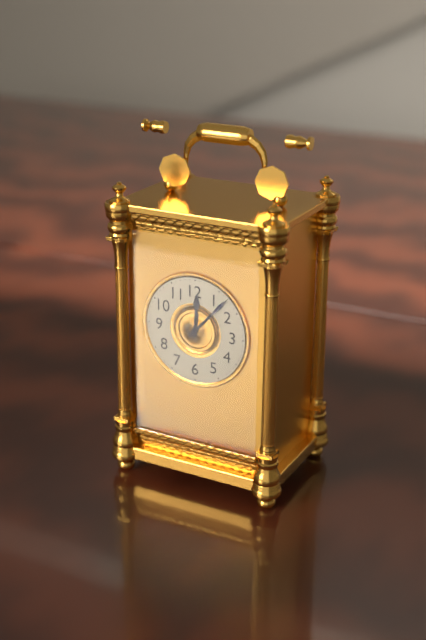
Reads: h=12 m=7
